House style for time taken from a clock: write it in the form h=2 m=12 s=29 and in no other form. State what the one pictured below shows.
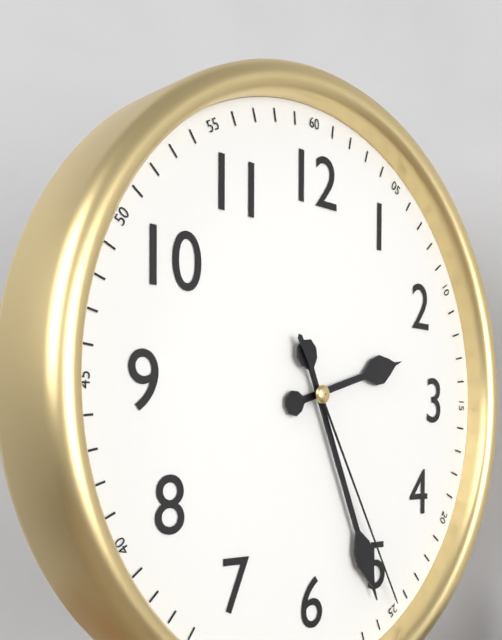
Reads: h=2 m=26 s=25
